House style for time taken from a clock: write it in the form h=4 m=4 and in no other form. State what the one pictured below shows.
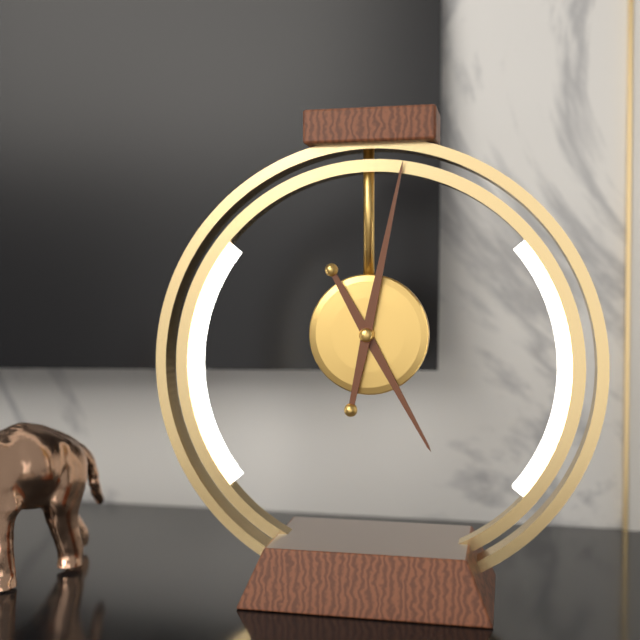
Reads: h=5 m=2
